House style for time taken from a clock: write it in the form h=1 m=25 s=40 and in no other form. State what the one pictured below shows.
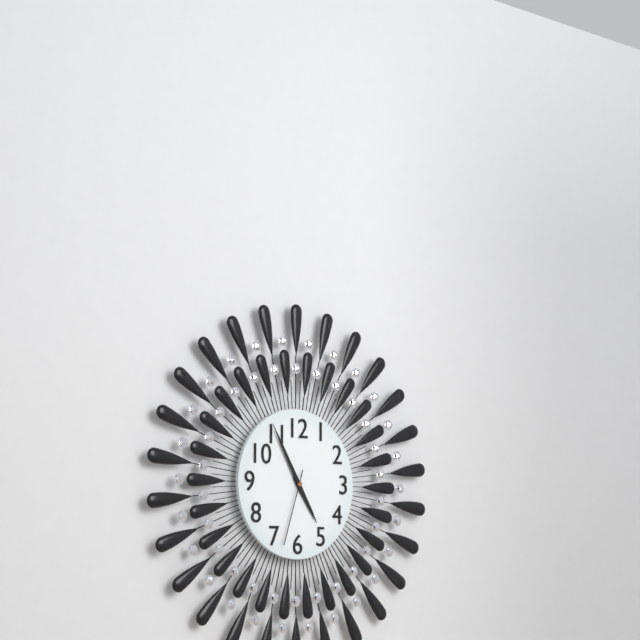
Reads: h=4 m=55 s=33
